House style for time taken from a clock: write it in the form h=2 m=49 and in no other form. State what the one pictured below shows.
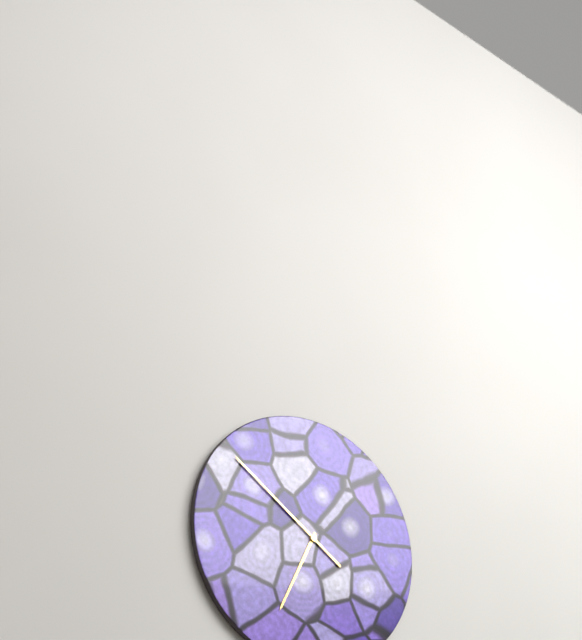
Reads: h=6 m=51
